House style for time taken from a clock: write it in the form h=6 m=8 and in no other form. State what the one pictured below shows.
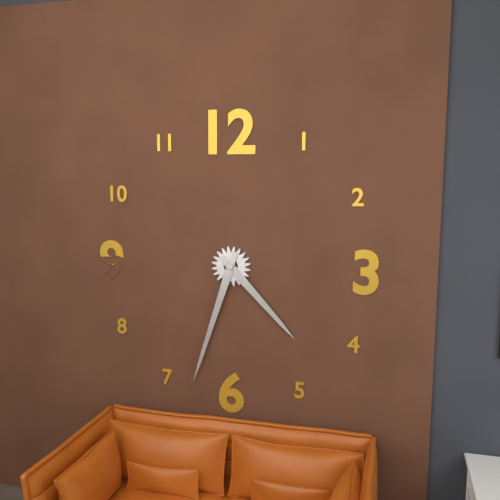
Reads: h=4 m=33
